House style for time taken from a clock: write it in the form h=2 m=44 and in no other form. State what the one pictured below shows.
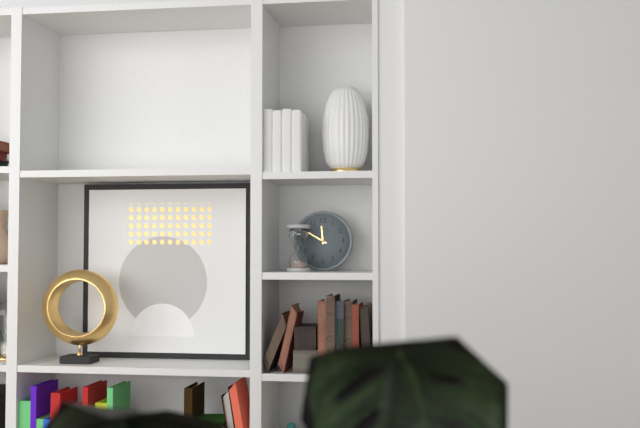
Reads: h=11 m=50
